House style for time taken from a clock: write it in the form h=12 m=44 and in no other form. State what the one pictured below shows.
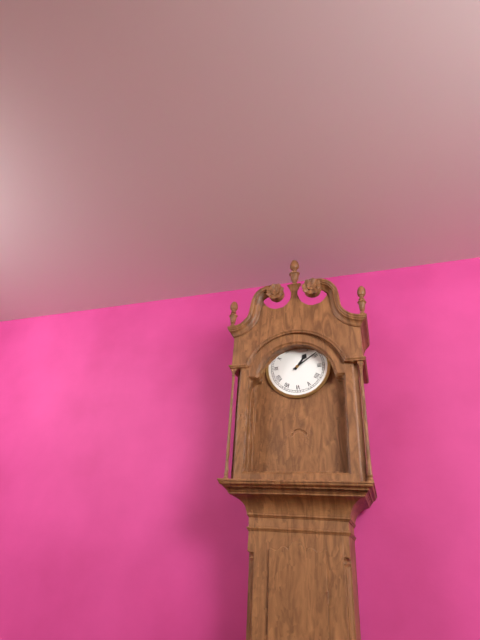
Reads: h=1 m=9
